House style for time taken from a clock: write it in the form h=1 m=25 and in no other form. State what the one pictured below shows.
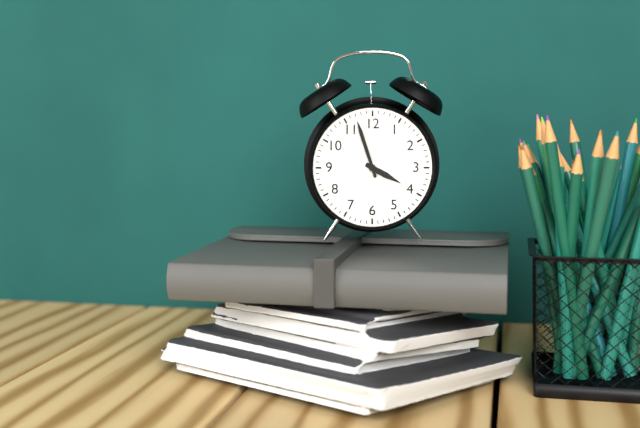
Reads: h=3 m=57
